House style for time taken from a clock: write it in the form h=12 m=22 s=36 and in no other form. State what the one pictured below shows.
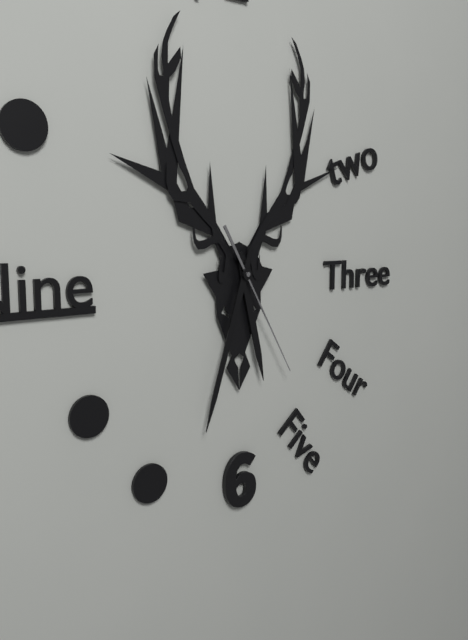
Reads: h=5 m=33 s=25
